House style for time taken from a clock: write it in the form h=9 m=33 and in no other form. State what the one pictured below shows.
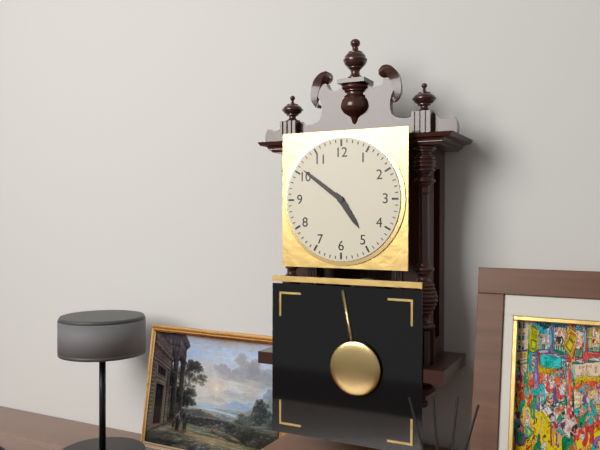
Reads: h=4 m=51
